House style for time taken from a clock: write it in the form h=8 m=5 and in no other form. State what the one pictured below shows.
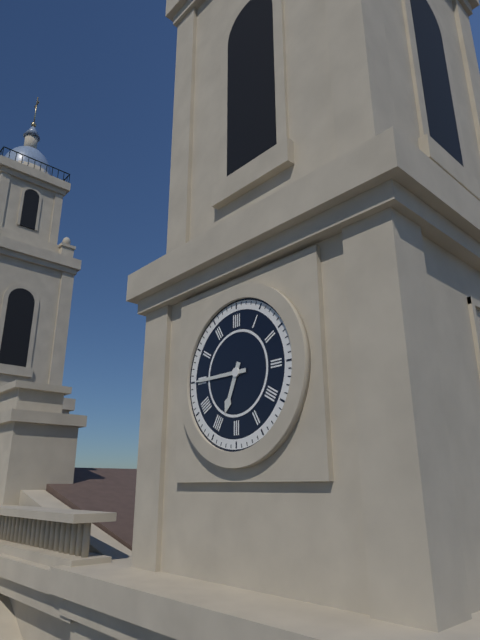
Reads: h=6 m=45
